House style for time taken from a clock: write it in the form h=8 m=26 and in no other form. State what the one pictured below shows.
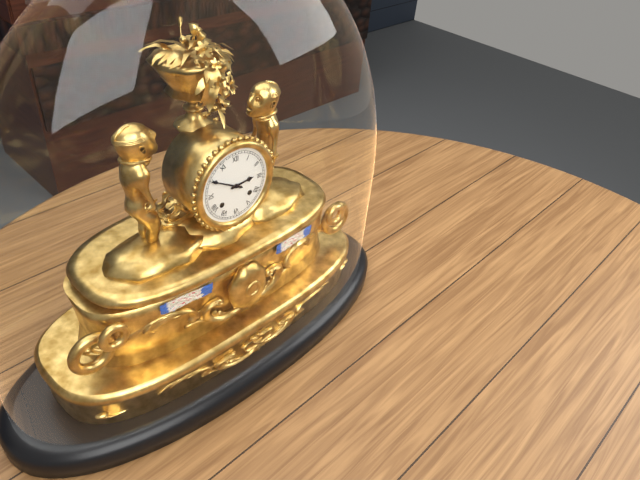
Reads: h=2 m=50
